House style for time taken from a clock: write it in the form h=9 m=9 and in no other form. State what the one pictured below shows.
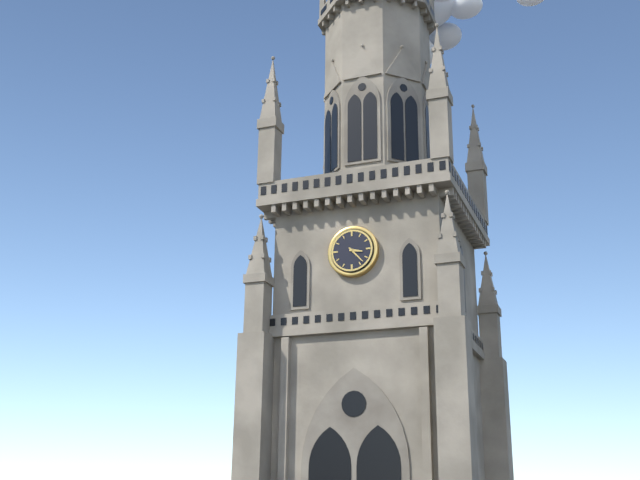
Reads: h=3 m=23
